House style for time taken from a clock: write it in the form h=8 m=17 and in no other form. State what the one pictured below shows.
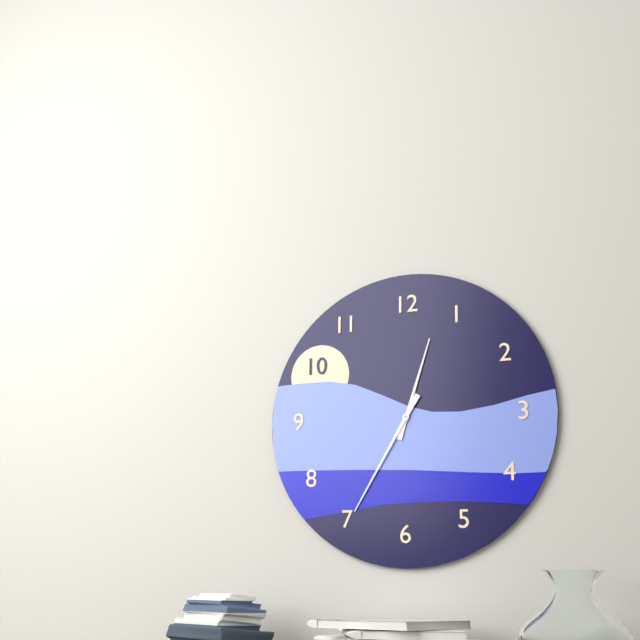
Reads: h=12 m=35
